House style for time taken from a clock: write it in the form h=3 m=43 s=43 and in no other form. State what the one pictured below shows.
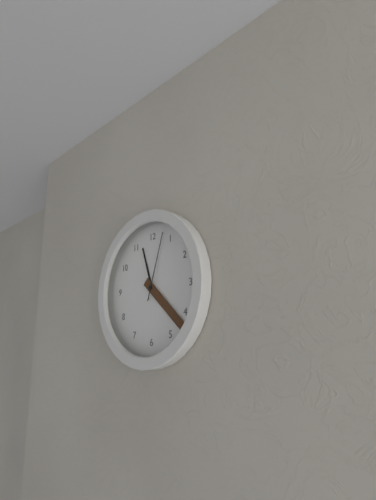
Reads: h=11 m=22 s=3
